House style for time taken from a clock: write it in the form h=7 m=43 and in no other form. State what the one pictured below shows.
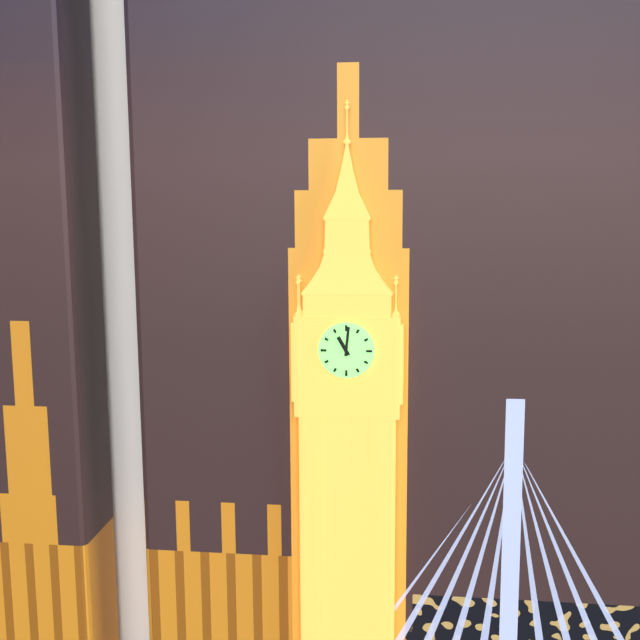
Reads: h=11 m=1
